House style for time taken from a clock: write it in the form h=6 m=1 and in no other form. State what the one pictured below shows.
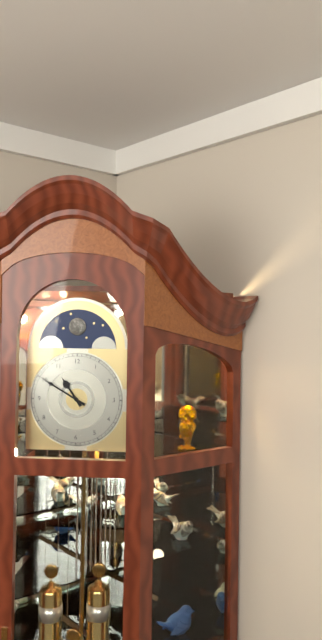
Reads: h=10 m=50
